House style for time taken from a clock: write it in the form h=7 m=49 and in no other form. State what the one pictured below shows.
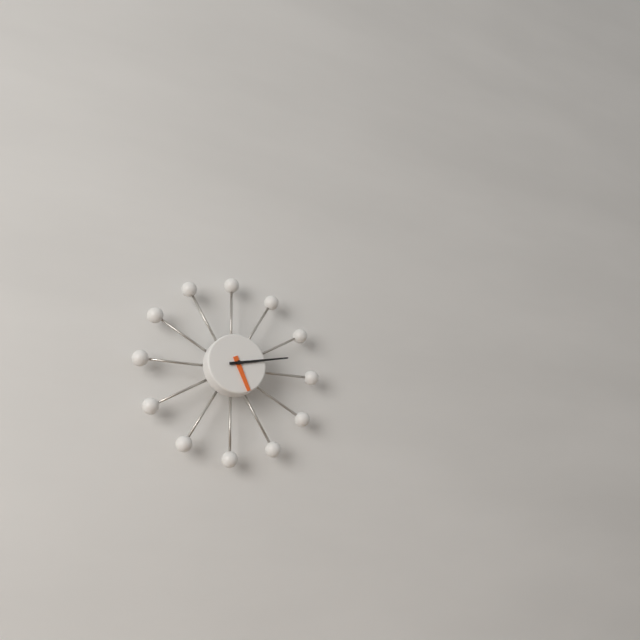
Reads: h=5 m=13
